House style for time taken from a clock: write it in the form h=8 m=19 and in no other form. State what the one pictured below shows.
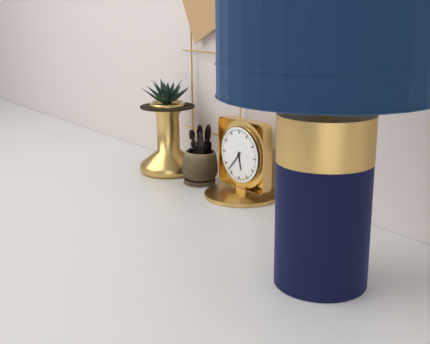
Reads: h=5 m=37
